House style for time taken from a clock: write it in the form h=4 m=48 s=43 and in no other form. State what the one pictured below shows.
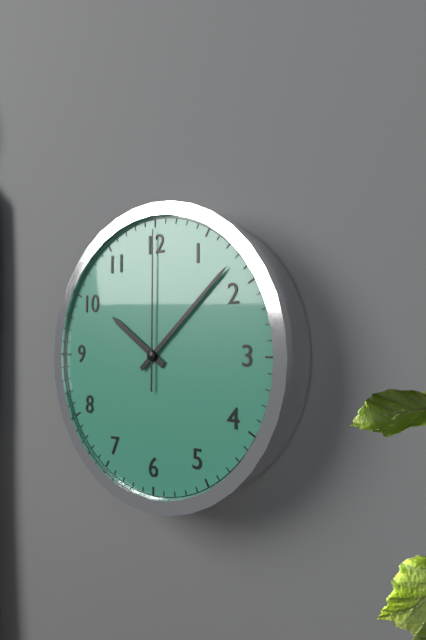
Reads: h=10 m=8 s=0
